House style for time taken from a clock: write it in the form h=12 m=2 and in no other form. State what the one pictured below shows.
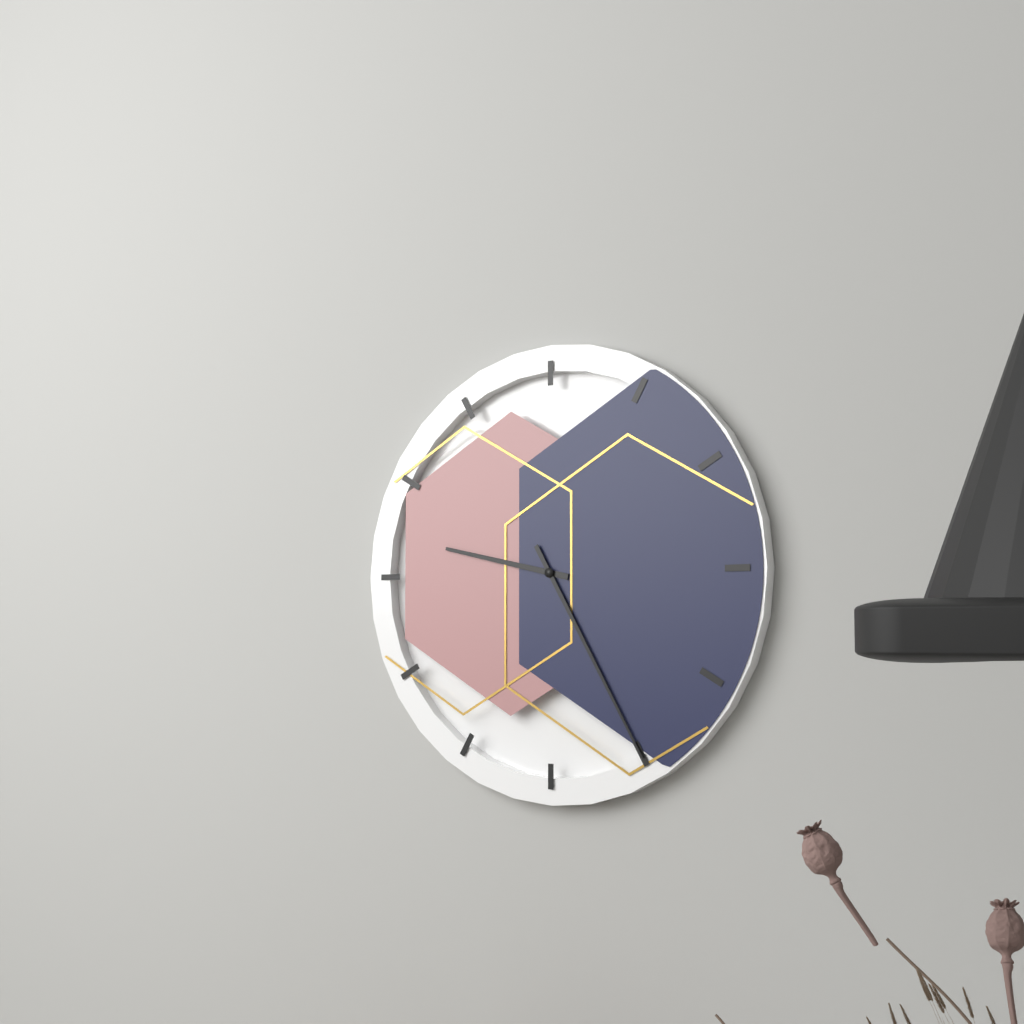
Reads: h=9 m=25
